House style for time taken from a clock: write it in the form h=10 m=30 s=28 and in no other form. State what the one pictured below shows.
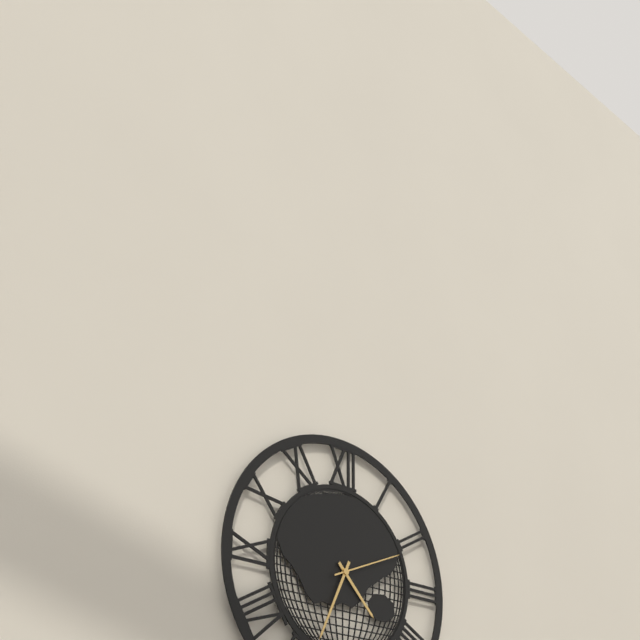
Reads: h=4 m=34 s=11
